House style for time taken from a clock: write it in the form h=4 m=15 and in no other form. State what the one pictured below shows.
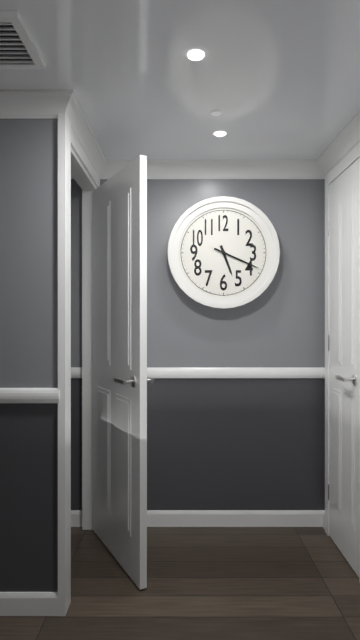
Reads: h=5 m=19
